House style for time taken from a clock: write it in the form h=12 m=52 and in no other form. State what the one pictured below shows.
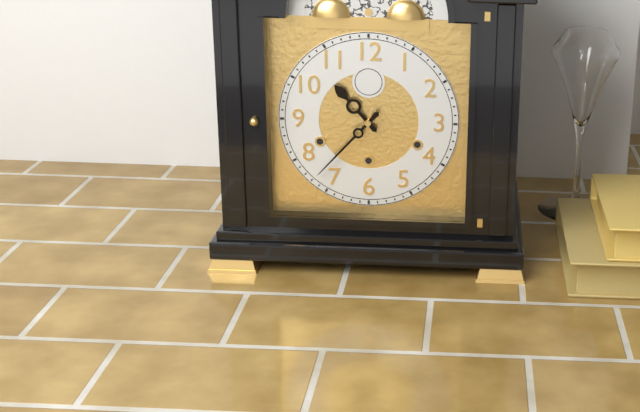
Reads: h=10 m=37
